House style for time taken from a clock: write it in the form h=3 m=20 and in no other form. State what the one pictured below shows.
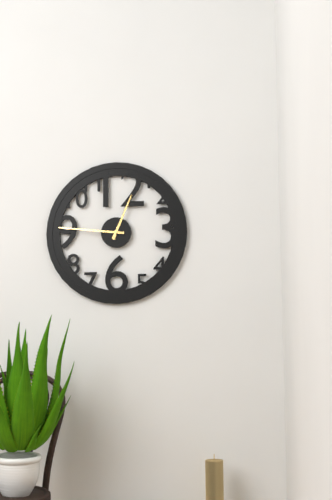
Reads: h=12 m=46
